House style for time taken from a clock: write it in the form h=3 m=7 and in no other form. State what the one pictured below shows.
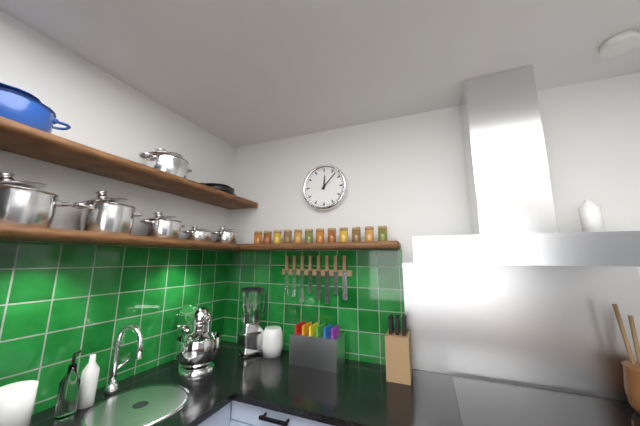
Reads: h=12 m=7
